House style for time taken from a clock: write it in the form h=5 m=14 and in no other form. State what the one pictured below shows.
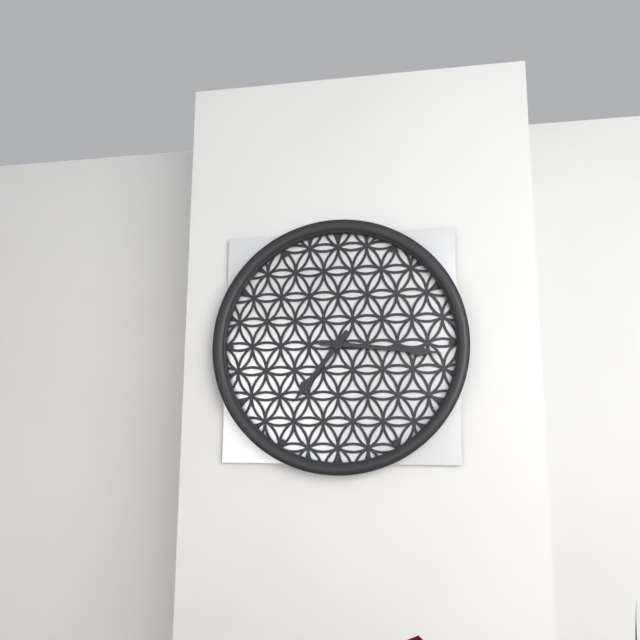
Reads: h=7 m=16
